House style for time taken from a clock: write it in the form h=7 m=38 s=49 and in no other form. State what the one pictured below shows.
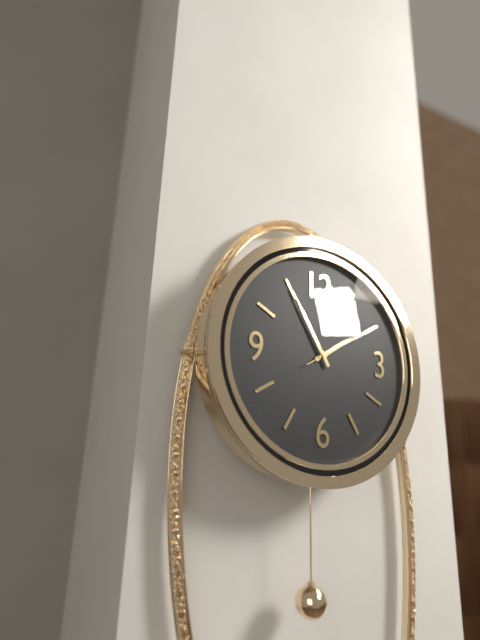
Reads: h=1 m=55 s=10
